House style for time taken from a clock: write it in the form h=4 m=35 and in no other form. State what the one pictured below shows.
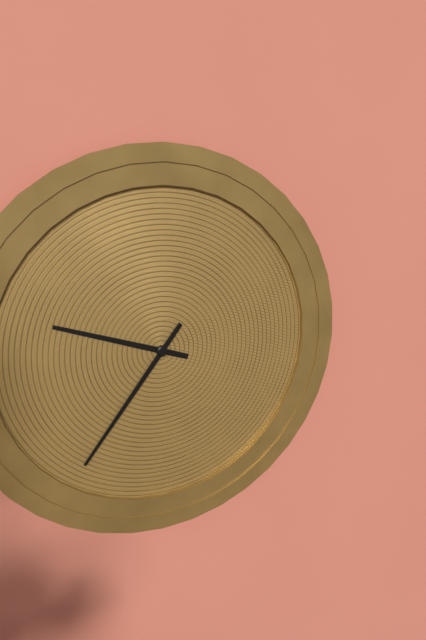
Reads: h=9 m=36
